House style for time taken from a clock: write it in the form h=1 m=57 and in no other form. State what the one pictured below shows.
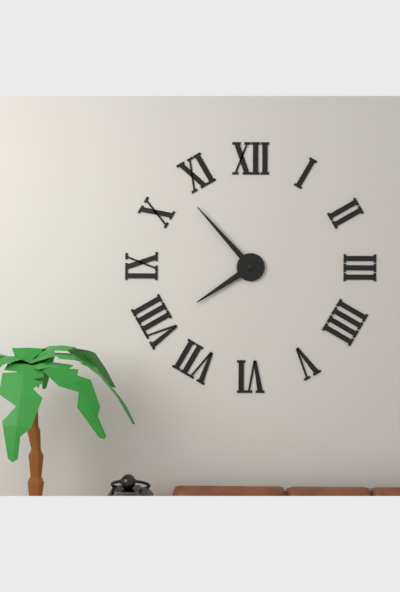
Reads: h=7 m=53
